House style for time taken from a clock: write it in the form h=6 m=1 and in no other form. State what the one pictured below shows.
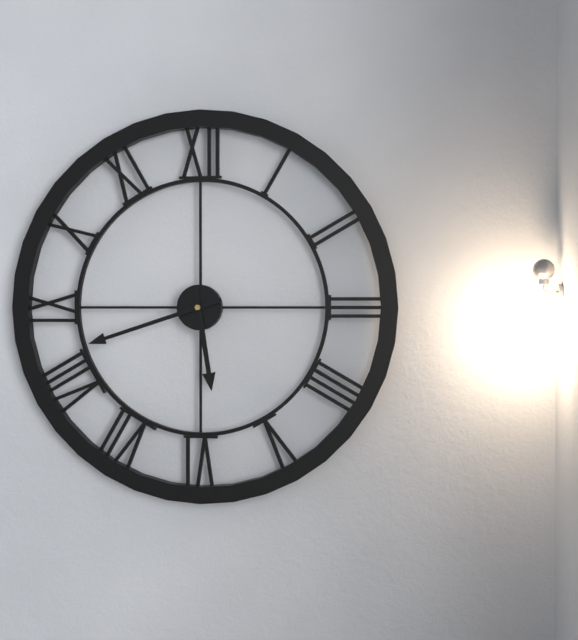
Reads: h=5 m=42
